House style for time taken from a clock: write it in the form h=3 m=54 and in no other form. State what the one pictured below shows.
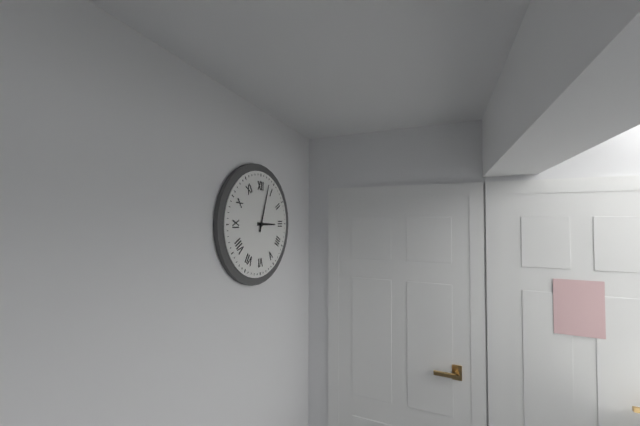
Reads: h=3 m=3
